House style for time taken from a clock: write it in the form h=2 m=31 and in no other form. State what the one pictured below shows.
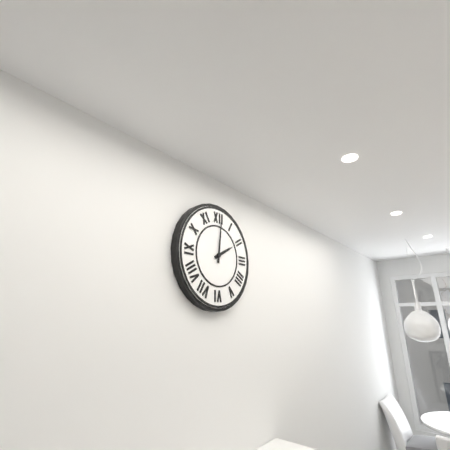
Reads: h=2 m=1
